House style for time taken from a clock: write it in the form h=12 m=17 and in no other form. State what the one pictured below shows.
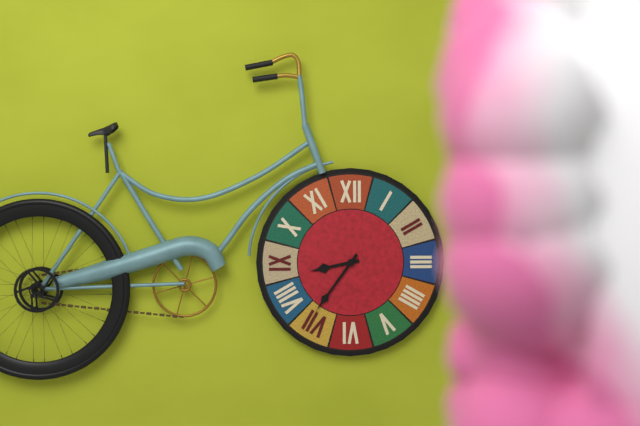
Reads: h=8 m=36
